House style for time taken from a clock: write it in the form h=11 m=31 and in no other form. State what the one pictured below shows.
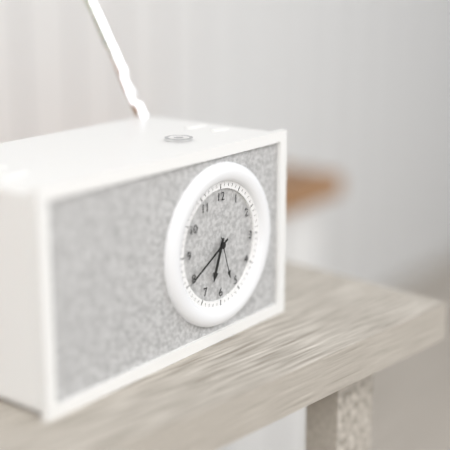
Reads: h=6 m=40
